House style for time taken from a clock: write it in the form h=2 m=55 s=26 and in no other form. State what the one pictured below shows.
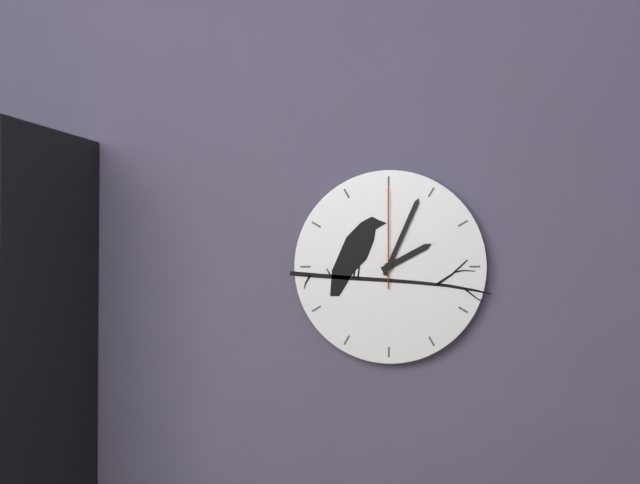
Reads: h=2 m=4 s=0
